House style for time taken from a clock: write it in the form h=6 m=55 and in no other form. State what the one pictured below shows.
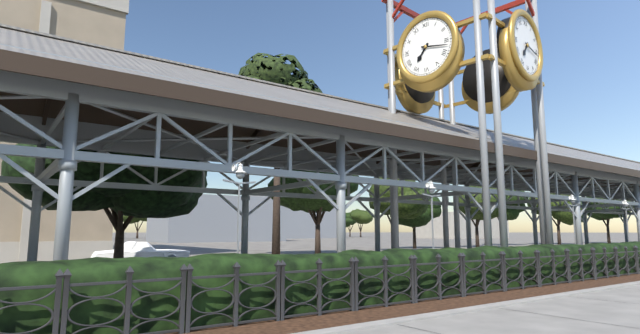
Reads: h=7 m=17
